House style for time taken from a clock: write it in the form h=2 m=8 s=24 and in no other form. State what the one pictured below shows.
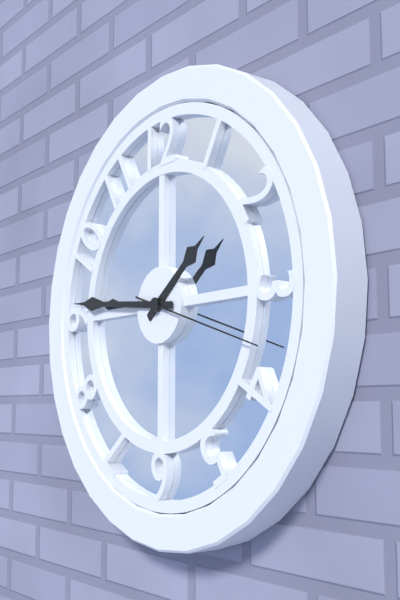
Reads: h=1 m=46 s=18
